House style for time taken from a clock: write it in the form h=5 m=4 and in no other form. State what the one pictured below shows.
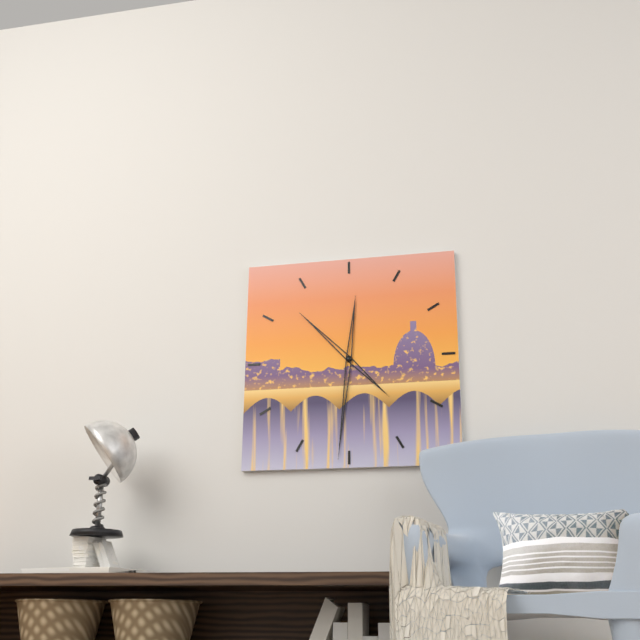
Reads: h=10 m=31
